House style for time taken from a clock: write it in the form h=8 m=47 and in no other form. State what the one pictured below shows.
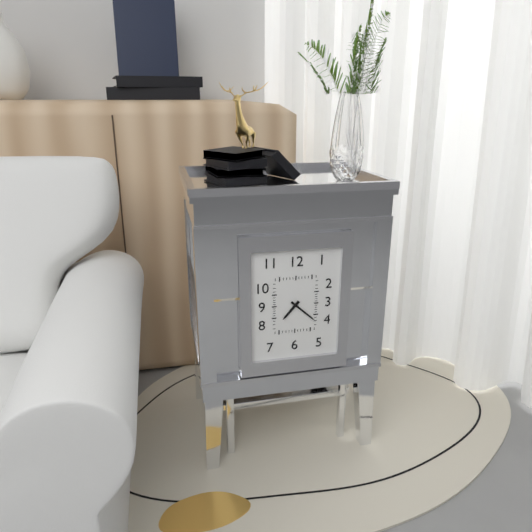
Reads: h=7 m=22
